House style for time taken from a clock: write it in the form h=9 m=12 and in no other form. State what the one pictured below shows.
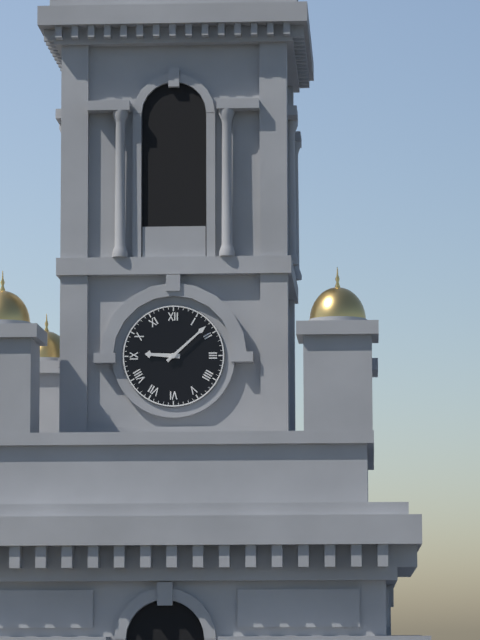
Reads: h=9 m=8
